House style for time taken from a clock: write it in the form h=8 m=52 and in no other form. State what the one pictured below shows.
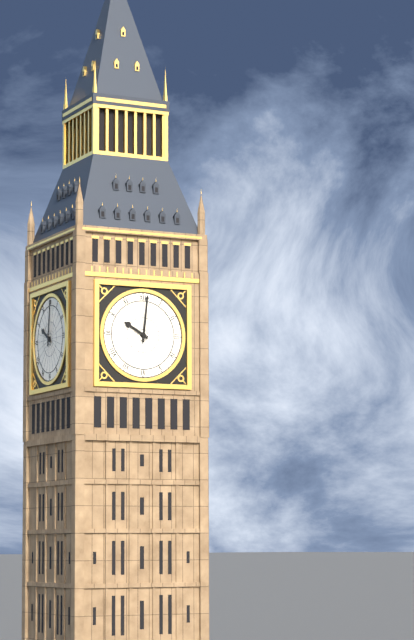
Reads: h=10 m=1
